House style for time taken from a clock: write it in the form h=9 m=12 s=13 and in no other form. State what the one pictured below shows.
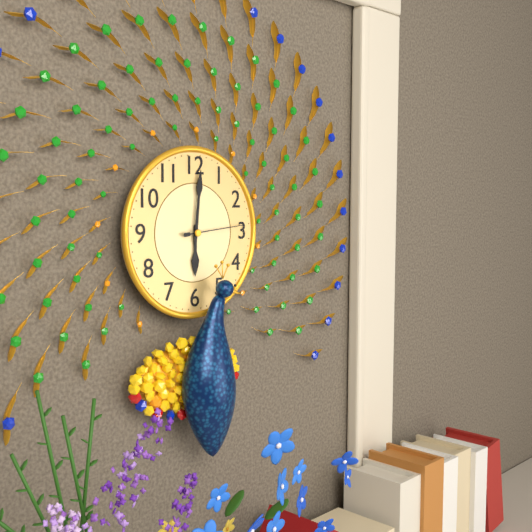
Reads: h=6 m=1 s=14
